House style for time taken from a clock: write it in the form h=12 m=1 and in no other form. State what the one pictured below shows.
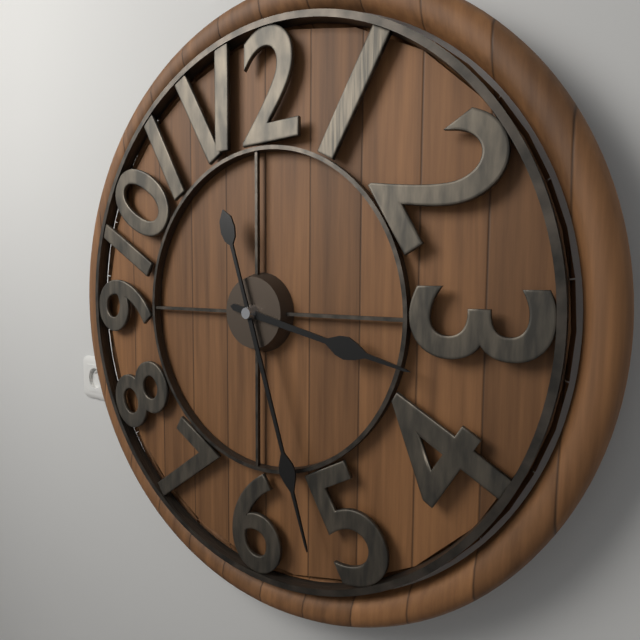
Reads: h=3 m=27
